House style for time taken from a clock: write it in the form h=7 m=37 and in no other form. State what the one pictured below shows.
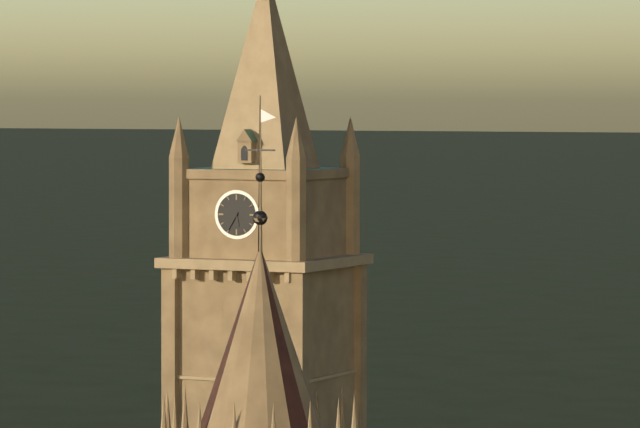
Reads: h=5 m=35
